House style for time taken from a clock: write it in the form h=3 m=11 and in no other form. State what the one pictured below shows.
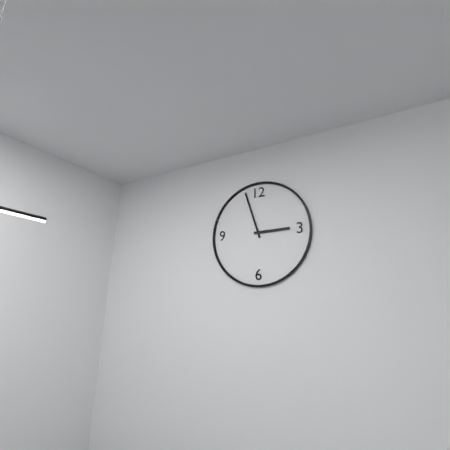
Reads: h=2 m=57
